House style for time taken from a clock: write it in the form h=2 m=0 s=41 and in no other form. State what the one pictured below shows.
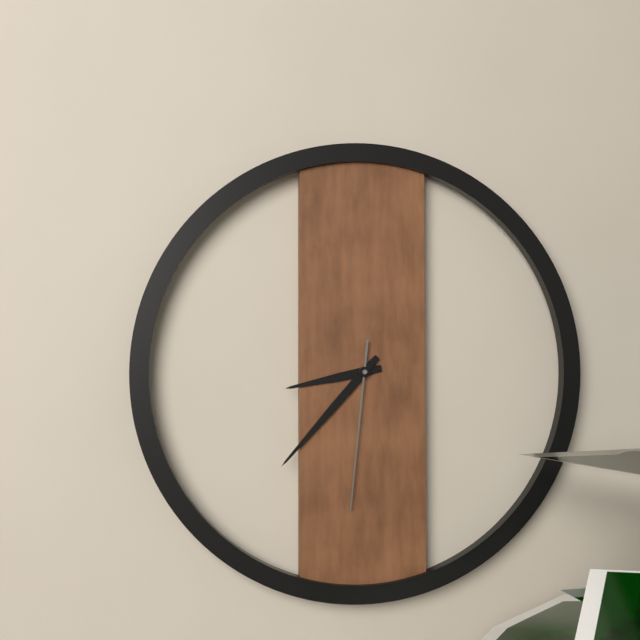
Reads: h=8 m=37 s=31
